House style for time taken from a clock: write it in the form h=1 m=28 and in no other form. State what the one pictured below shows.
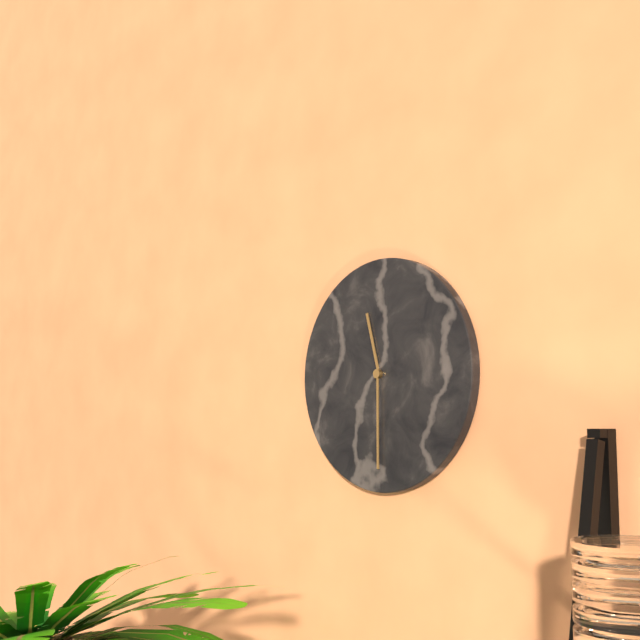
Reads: h=11 m=30
